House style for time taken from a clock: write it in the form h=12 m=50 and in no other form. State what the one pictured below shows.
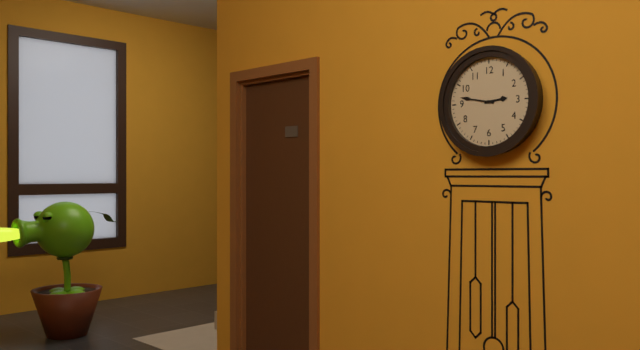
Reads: h=2 m=47
